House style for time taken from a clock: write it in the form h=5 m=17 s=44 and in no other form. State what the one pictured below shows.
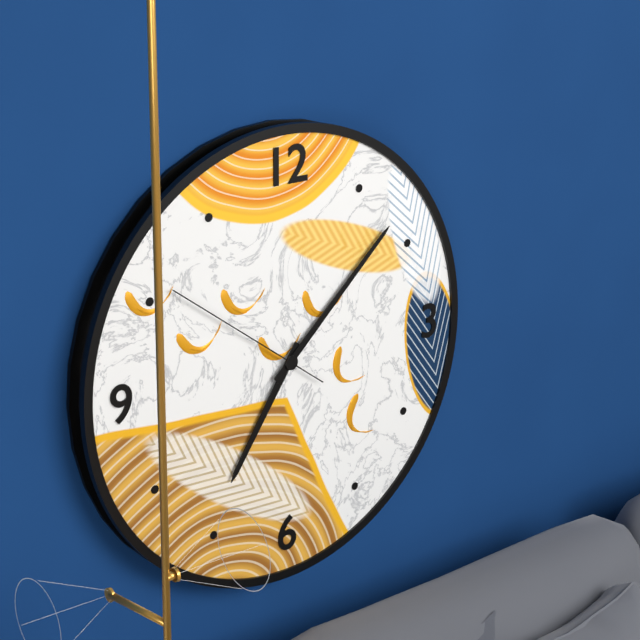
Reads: h=7 m=8 s=51
